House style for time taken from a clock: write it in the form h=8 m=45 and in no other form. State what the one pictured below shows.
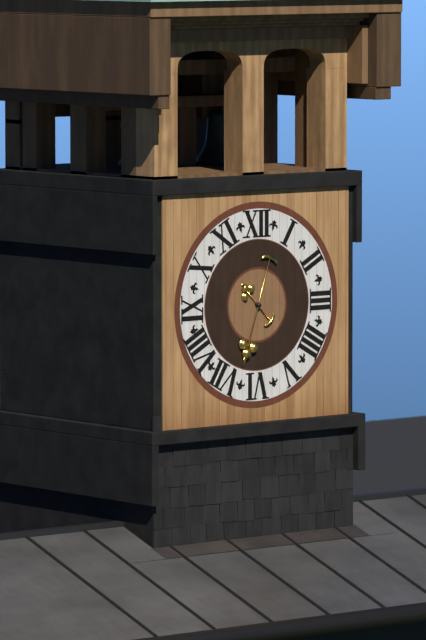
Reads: h=10 m=33
